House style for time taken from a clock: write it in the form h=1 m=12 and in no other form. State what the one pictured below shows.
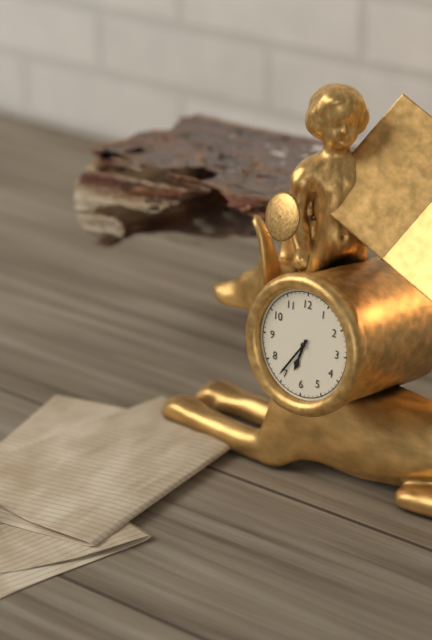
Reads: h=6 m=36
